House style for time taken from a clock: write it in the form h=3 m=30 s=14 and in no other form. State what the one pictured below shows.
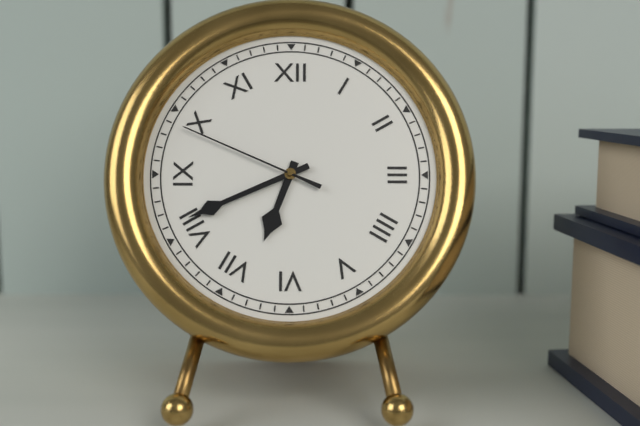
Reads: h=6 m=41 s=49
